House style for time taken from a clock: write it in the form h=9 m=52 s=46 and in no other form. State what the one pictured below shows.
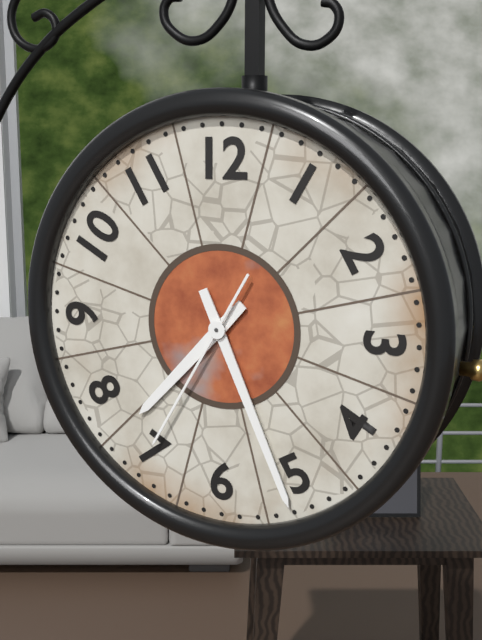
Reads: h=7 m=26 s=35
